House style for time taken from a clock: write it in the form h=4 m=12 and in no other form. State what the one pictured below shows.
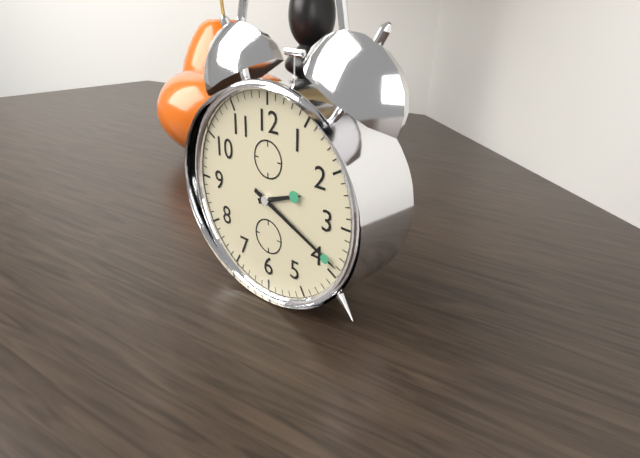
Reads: h=2 m=19
